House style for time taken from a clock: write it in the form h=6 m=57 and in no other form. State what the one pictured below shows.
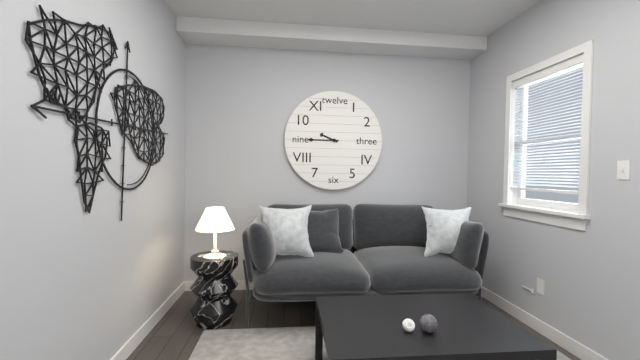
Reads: h=9 m=45
